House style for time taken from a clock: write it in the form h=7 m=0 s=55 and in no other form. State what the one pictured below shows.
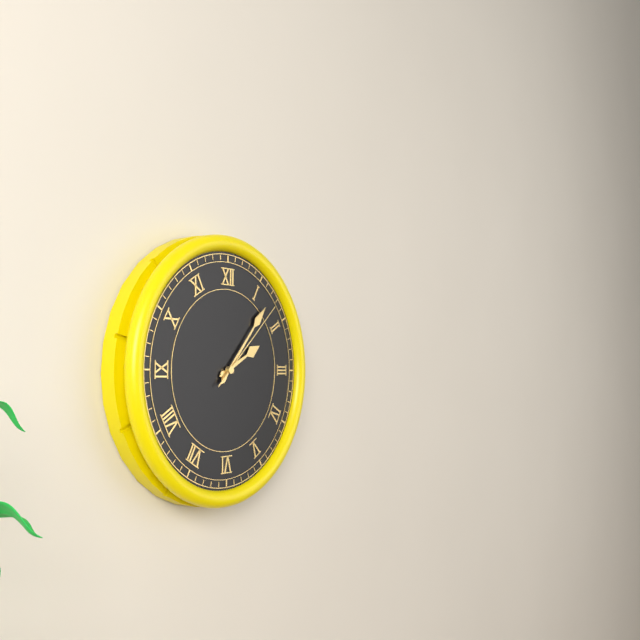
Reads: h=2 m=7 s=8
